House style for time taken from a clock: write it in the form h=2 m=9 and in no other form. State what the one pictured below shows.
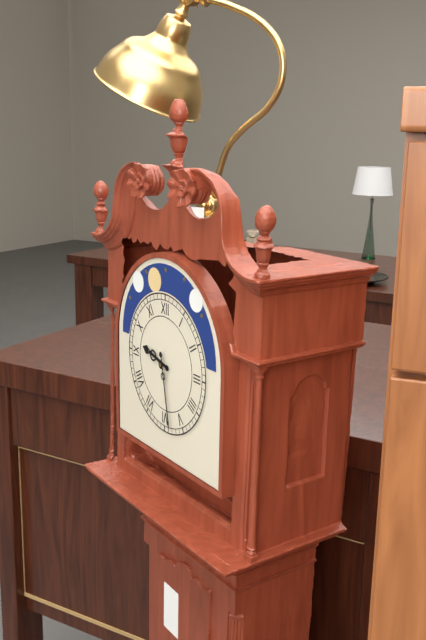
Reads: h=9 m=28
